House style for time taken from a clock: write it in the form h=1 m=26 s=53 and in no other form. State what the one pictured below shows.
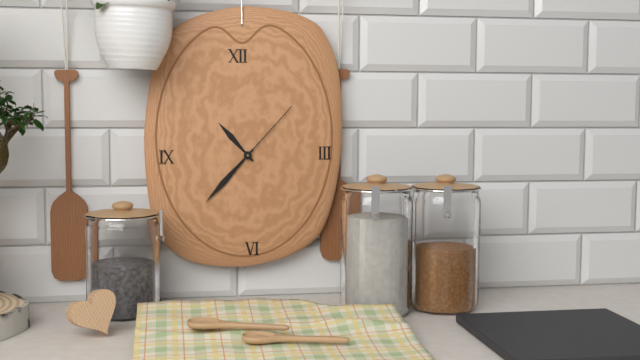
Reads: h=10 m=37 s=7
